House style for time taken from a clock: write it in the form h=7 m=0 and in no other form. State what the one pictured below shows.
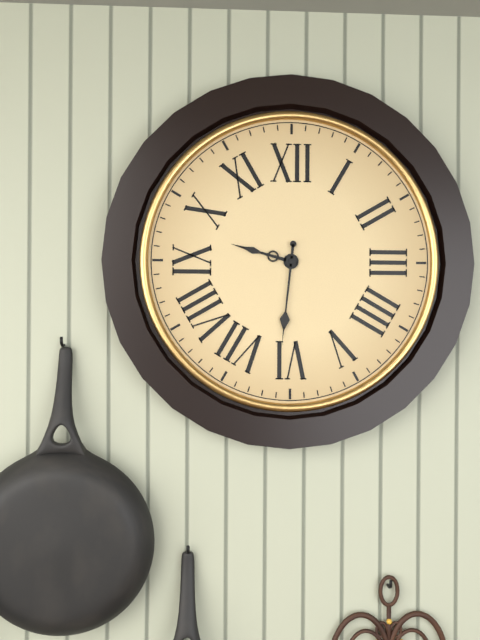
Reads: h=9 m=31
